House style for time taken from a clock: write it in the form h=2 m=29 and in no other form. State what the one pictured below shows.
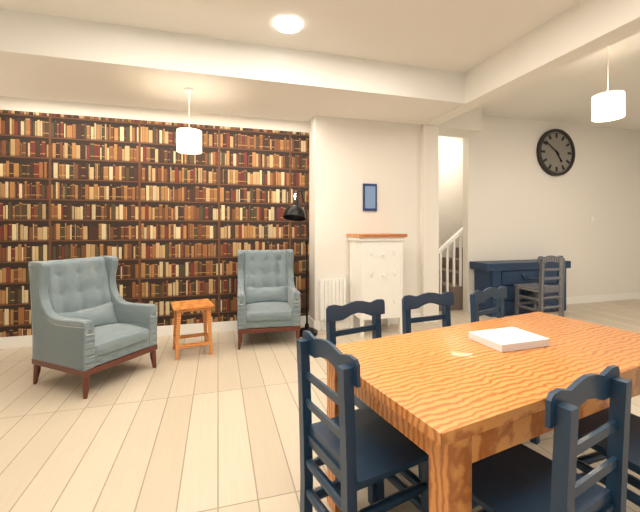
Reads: h=4 m=51
